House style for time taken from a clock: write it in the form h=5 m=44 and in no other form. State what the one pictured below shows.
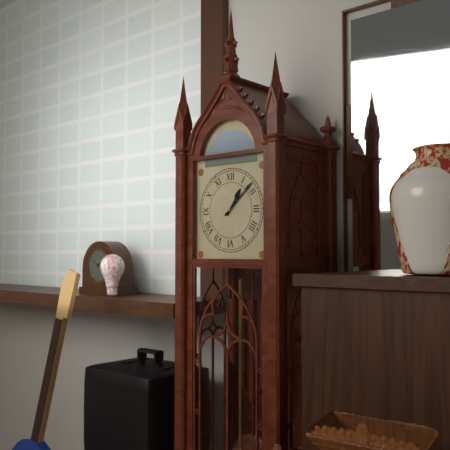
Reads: h=1 m=8
